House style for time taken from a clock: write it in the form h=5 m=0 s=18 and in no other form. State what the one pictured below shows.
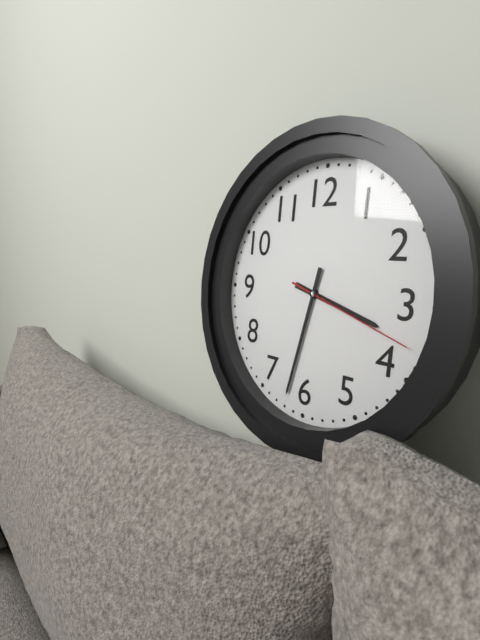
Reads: h=3 m=32 s=18
